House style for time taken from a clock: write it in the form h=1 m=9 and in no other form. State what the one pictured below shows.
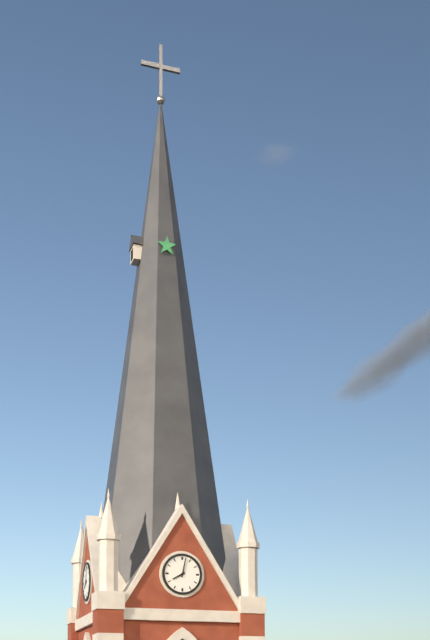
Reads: h=8 m=2
